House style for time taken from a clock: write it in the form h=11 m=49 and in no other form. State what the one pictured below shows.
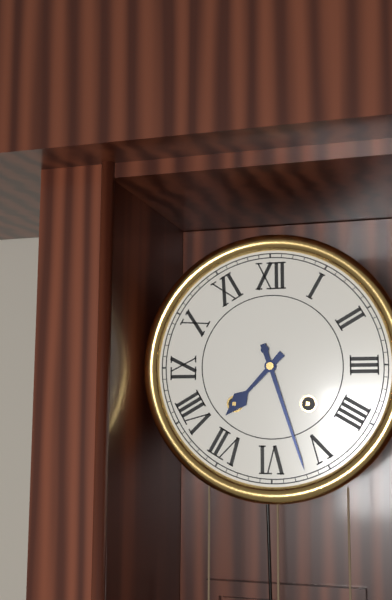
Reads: h=7 m=27
